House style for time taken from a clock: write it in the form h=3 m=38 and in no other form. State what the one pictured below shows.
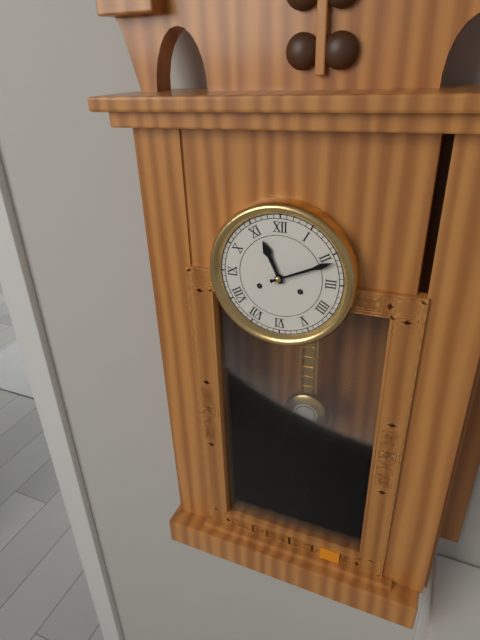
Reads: h=11 m=11
